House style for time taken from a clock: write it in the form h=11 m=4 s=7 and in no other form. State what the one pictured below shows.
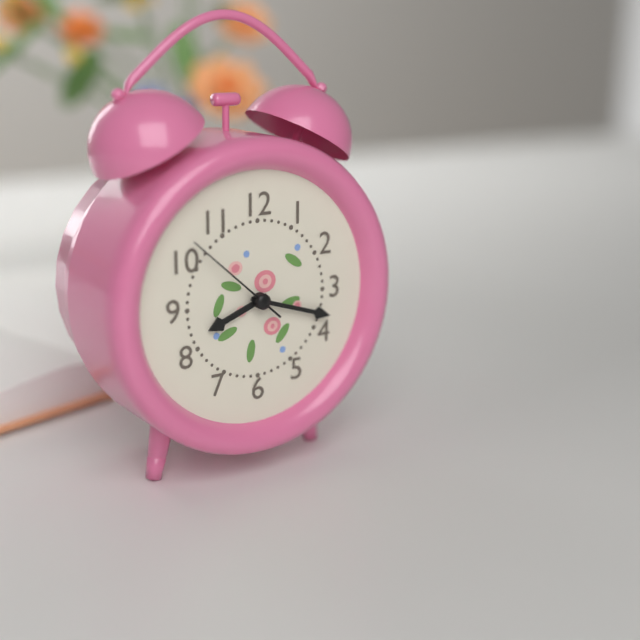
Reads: h=8 m=18 s=52
